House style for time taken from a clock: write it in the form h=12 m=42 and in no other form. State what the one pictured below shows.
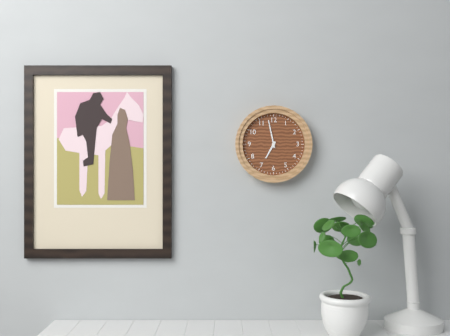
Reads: h=6 m=58
